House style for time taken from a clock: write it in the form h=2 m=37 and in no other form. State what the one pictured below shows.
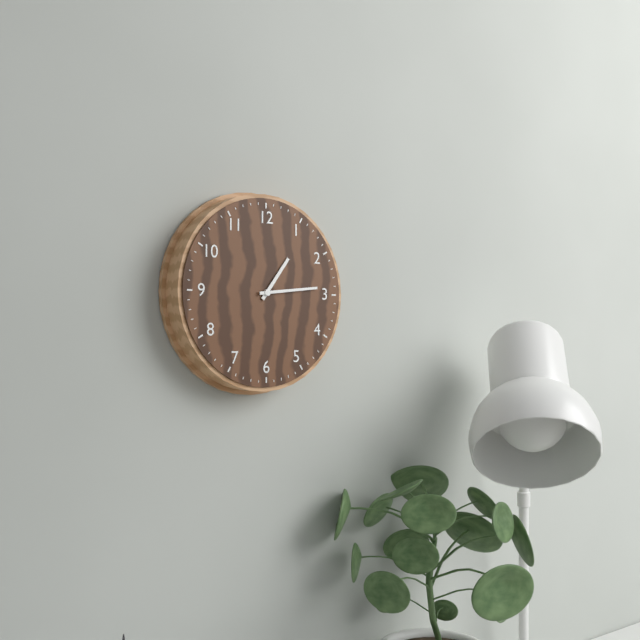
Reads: h=1 m=14
